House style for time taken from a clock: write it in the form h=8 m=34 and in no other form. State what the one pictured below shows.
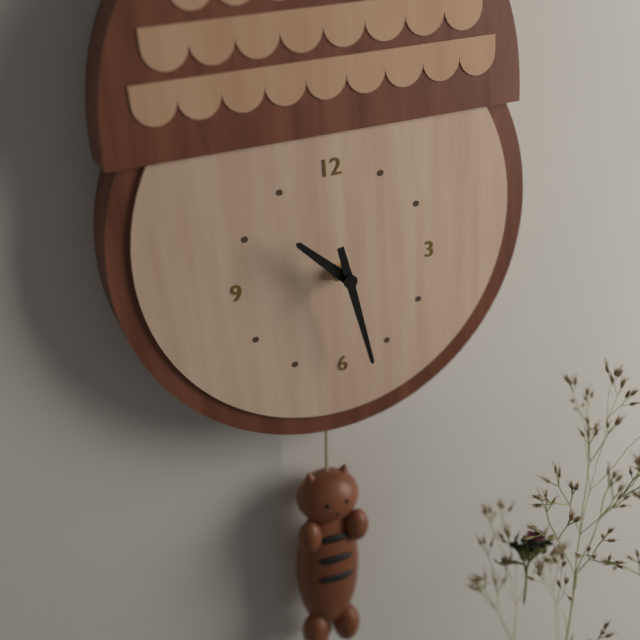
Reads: h=10 m=28
